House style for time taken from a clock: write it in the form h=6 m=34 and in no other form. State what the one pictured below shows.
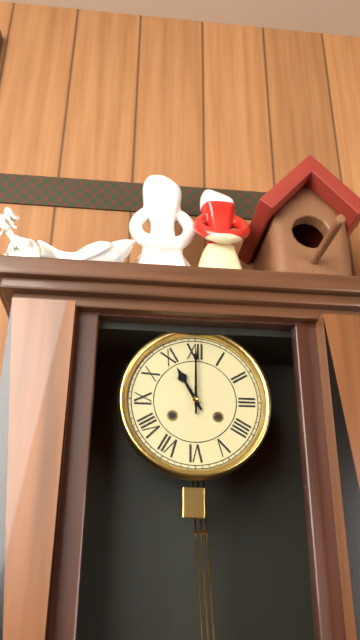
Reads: h=11 m=0
